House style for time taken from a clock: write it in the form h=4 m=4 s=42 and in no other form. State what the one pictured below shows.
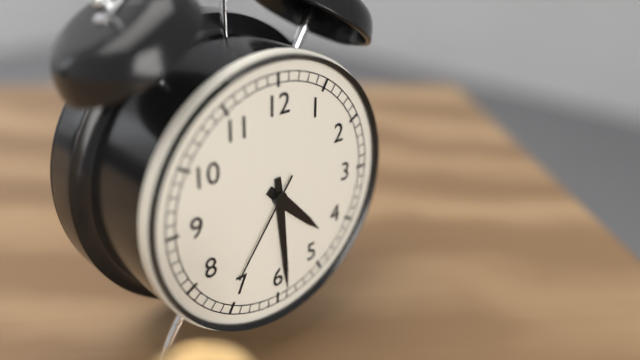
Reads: h=4 m=29 s=36
